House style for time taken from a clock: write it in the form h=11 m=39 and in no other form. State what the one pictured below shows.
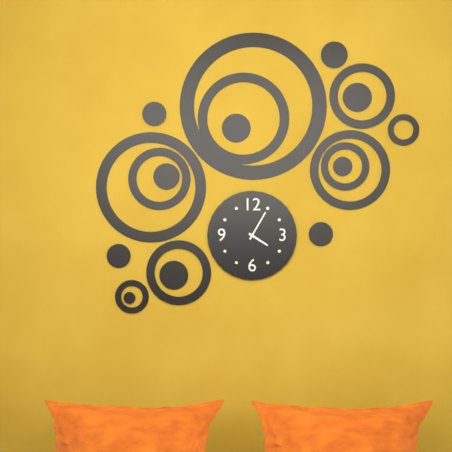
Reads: h=4 m=5
